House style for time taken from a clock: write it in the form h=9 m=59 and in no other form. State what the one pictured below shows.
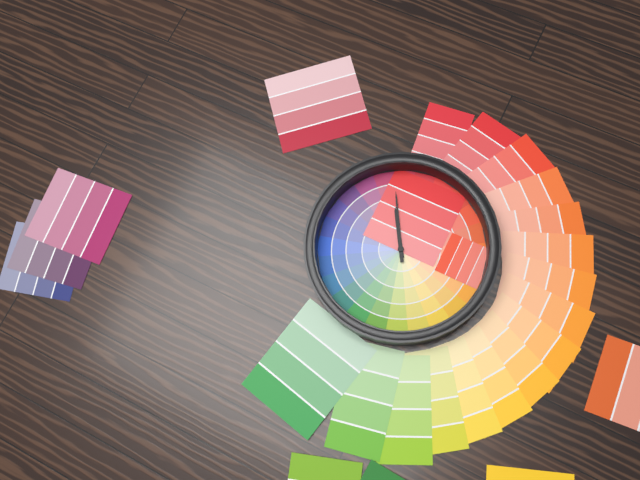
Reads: h=10 m=55
